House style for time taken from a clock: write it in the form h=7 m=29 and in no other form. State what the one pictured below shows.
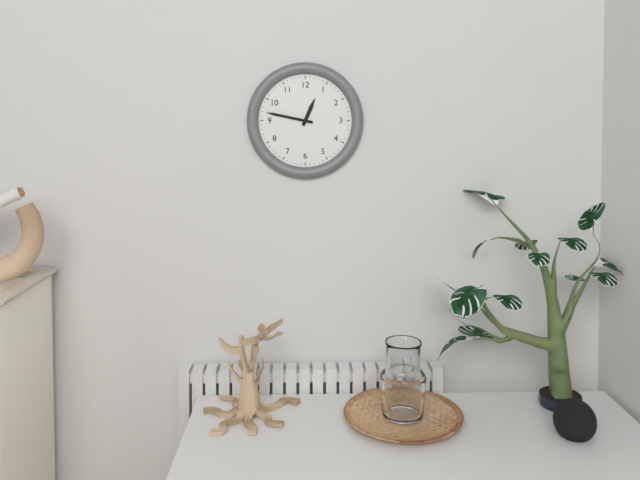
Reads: h=12 m=47
